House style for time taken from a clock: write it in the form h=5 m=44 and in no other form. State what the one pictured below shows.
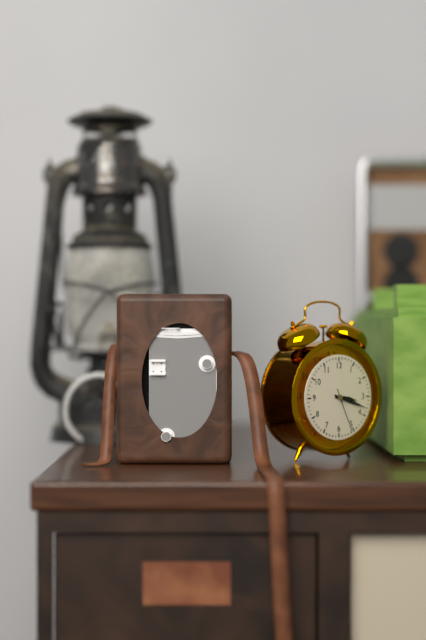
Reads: h=3 m=18
